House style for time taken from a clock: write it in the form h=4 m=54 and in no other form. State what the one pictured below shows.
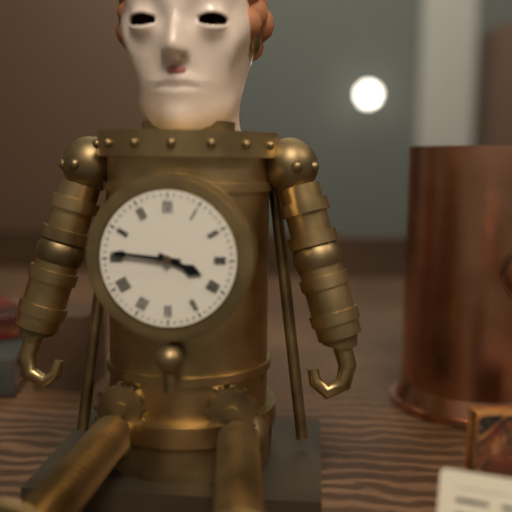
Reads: h=3 m=46
